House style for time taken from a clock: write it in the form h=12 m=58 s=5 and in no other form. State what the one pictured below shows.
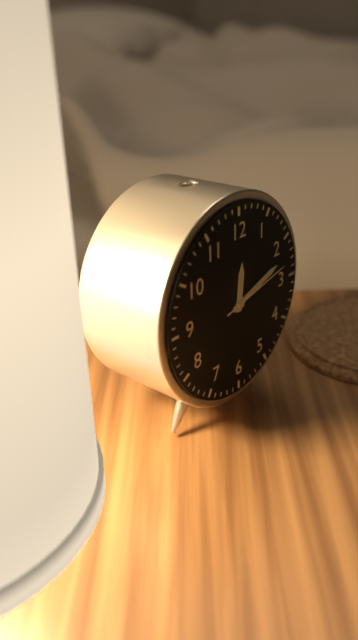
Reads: h=12 m=12 s=13
